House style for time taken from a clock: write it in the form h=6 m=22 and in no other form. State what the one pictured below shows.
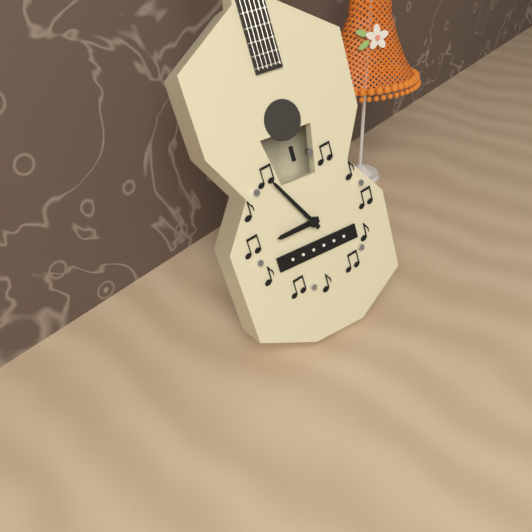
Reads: h=8 m=55
